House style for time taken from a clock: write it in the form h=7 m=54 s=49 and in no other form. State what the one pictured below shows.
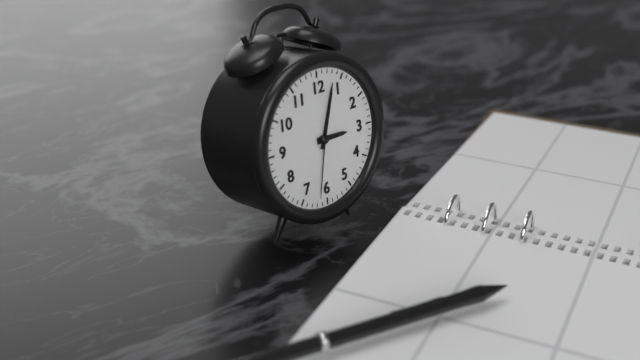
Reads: h=3 m=3 s=32
